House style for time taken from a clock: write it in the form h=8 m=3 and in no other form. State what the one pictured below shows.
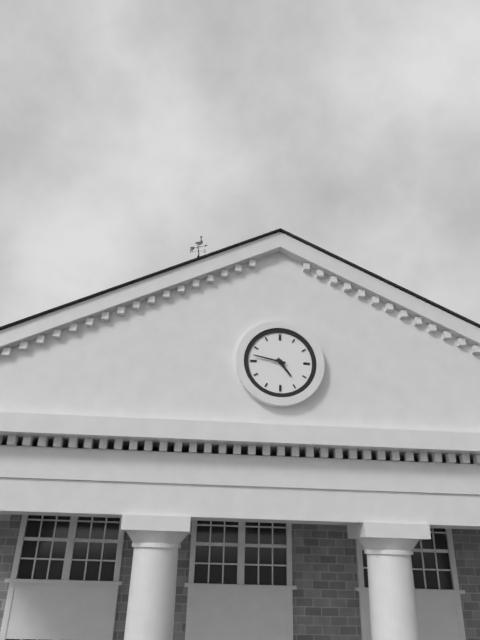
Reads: h=4 m=47
